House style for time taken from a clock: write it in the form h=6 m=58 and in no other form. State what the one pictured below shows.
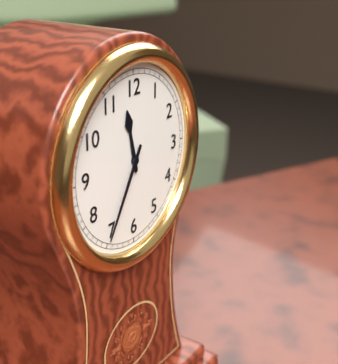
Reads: h=11 m=35
